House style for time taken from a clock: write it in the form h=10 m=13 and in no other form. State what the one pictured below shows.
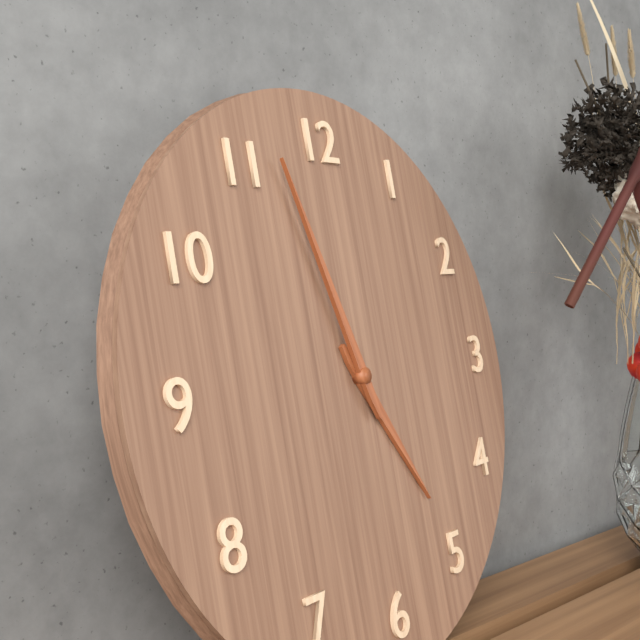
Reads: h=4 m=57
